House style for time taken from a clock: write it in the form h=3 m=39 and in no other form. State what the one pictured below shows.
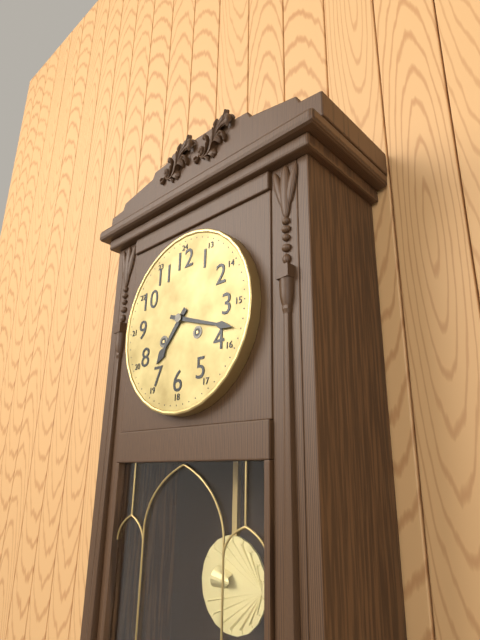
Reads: h=7 m=18
